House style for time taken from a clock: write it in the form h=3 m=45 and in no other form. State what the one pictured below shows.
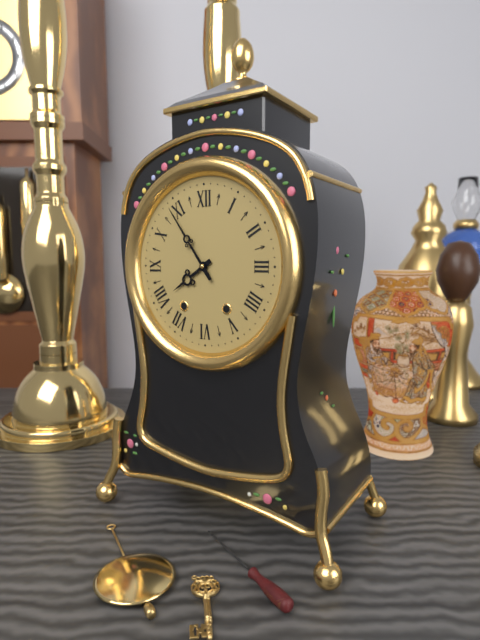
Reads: h=7 m=54
